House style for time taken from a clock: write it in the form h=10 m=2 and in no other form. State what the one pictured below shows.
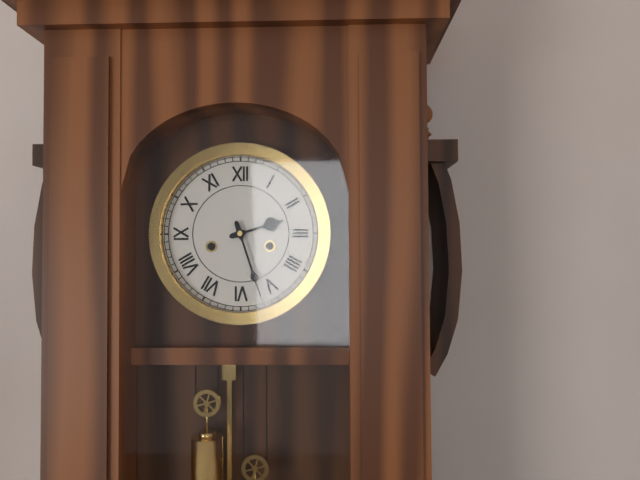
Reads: h=2 m=27
